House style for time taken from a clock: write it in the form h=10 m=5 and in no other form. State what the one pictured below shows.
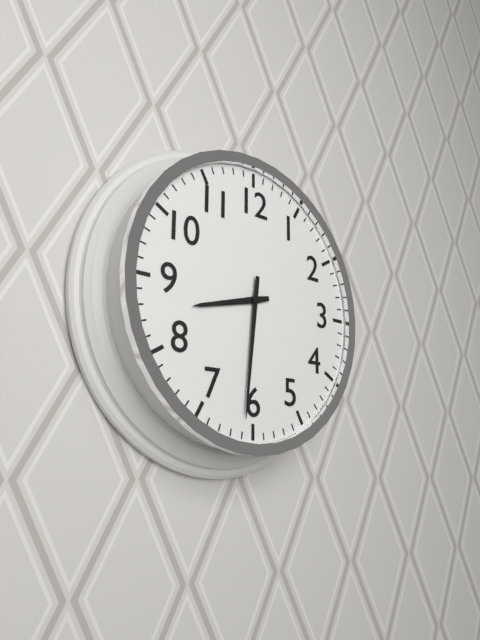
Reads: h=8 m=31
